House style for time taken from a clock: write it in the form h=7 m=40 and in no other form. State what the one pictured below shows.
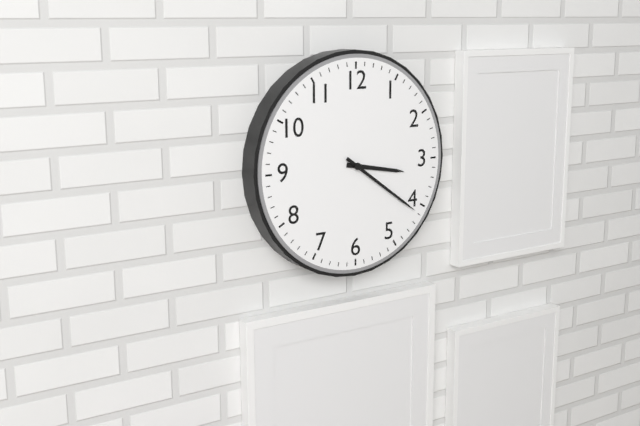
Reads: h=3 m=21
